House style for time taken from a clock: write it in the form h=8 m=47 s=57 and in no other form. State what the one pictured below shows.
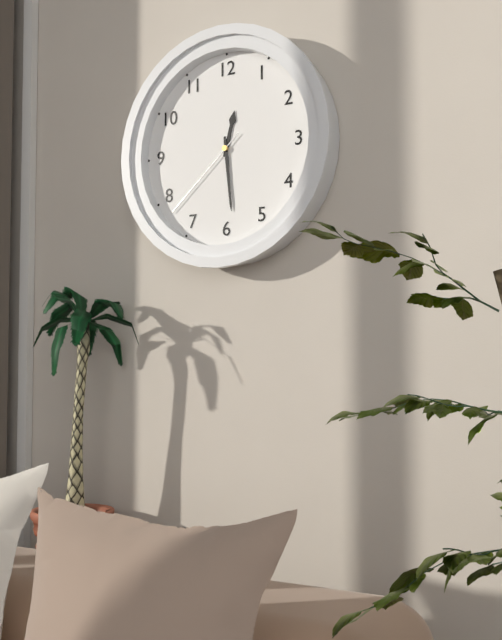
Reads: h=12 m=29 s=38
